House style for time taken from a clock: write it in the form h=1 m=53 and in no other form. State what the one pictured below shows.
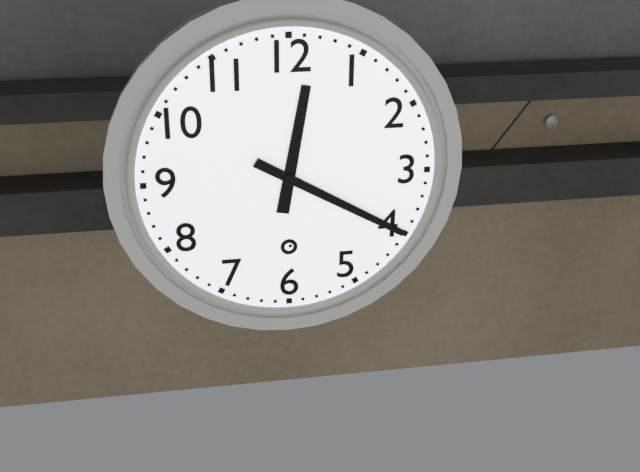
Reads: h=12 m=20
